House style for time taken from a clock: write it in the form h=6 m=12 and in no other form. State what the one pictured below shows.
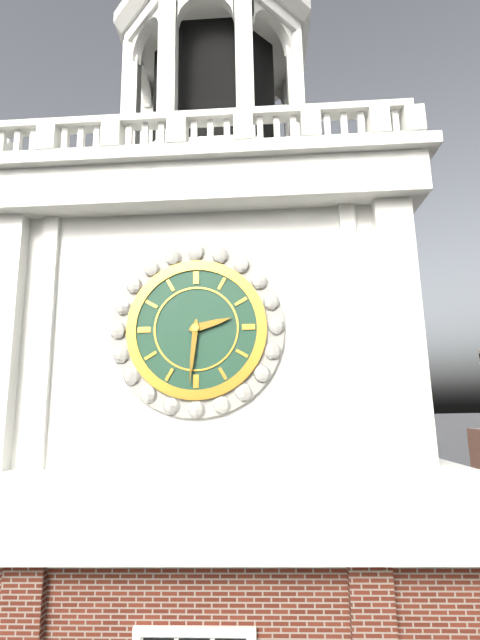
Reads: h=2 m=31
